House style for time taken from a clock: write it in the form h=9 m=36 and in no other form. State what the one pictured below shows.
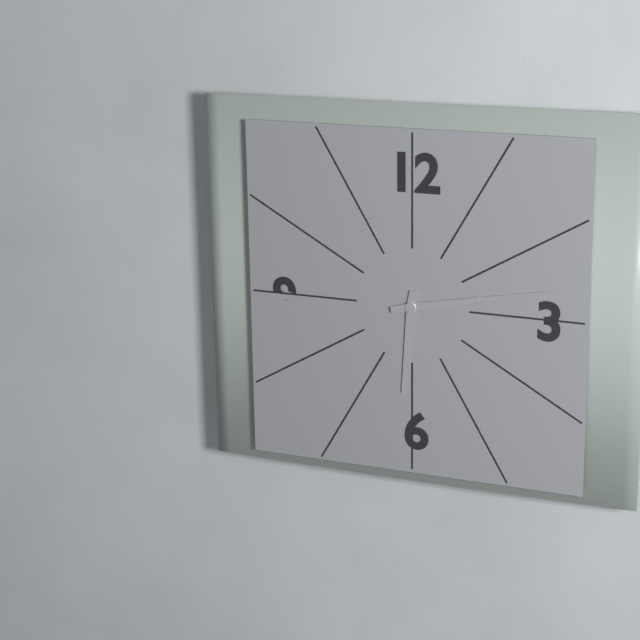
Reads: h=6 m=13
